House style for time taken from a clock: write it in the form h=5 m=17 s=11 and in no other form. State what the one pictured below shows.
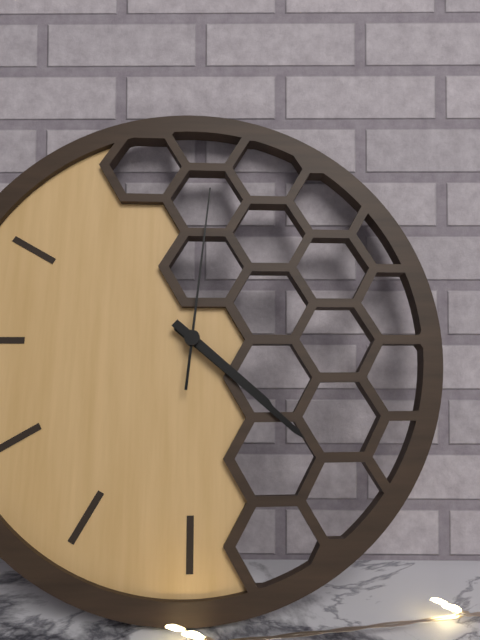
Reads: h=4 m=22 s=1
